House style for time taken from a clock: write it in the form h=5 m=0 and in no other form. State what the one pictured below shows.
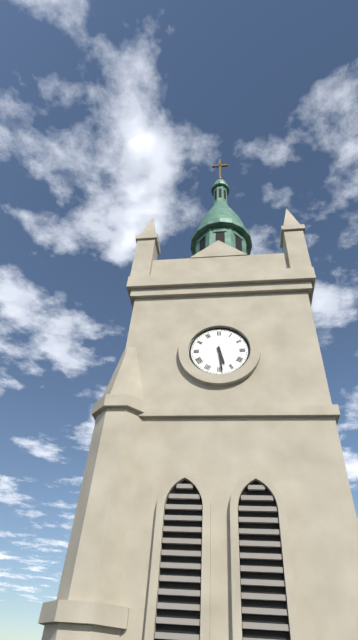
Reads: h=5 m=29
